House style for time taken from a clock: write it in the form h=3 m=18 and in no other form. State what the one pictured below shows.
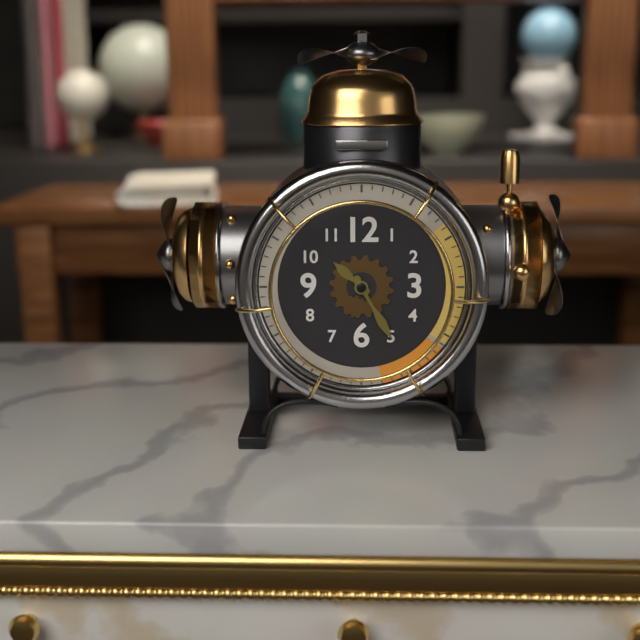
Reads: h=10 m=25
